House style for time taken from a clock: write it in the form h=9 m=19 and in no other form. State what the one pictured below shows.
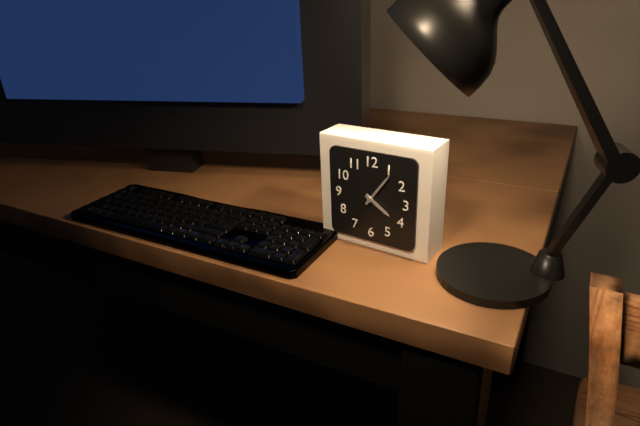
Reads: h=4 m=6
